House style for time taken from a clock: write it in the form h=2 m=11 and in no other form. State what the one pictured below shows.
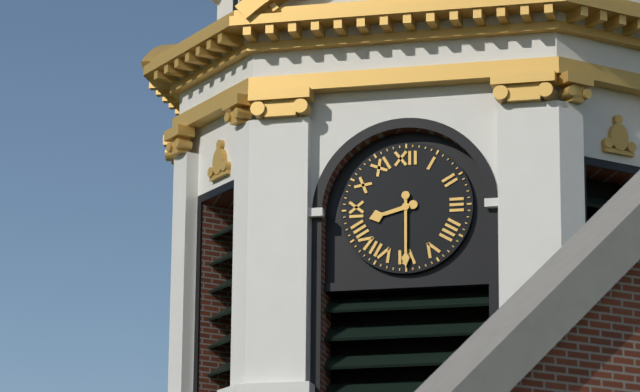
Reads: h=8 m=30
